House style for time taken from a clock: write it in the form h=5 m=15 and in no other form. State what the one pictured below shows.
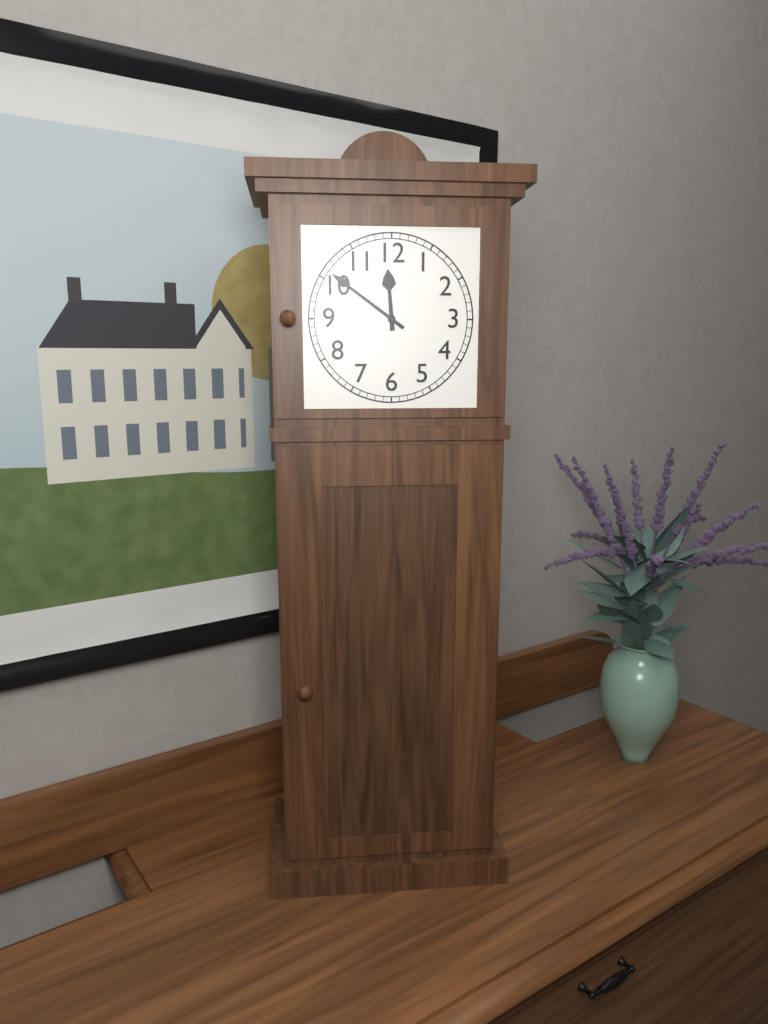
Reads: h=11 m=51
